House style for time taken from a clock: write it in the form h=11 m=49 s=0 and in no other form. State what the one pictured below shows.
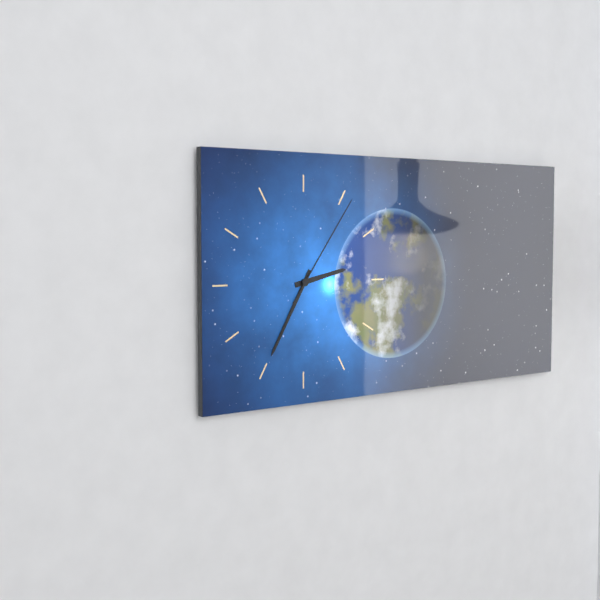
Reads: h=2 m=35 s=6
